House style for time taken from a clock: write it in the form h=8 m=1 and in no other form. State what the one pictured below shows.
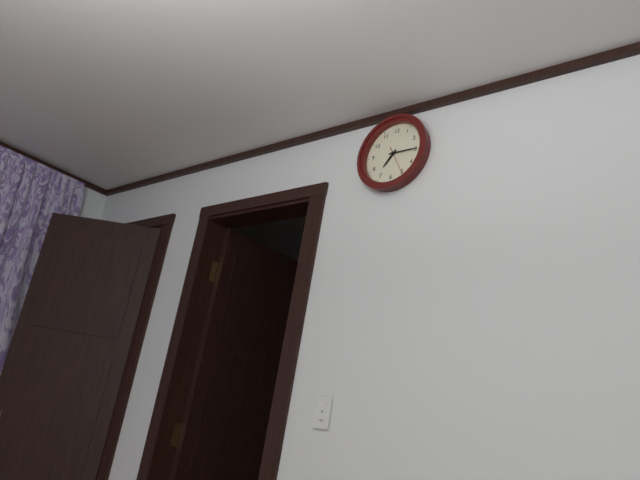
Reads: h=7 m=15
